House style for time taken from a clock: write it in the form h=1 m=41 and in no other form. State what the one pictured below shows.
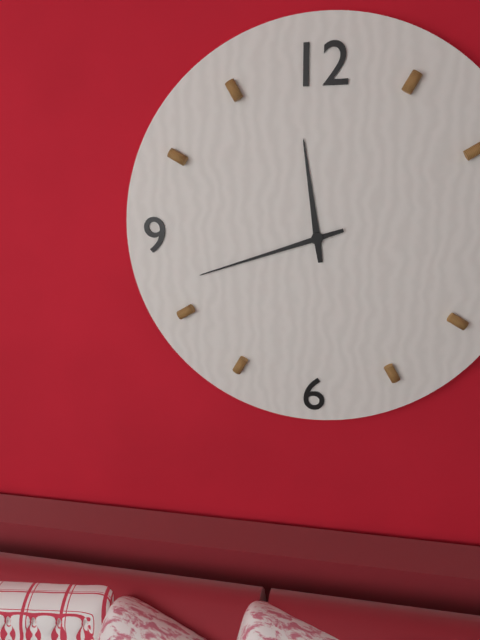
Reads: h=11 m=42
